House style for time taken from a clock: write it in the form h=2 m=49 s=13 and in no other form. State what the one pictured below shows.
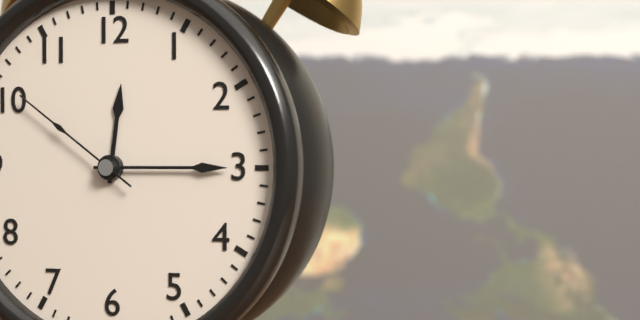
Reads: h=12 m=15 s=51
